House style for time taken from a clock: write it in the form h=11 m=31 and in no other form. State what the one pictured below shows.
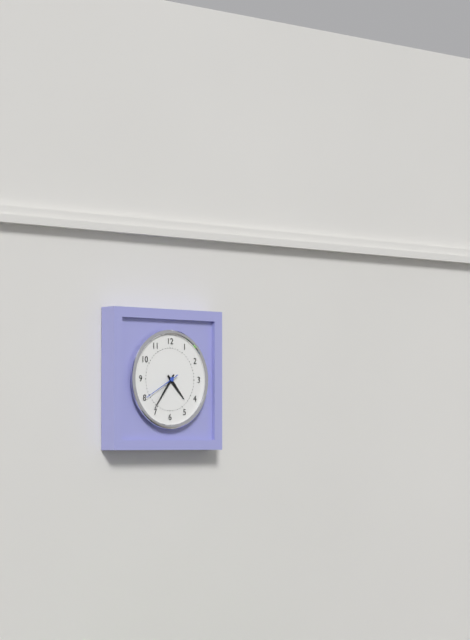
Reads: h=4 m=36
